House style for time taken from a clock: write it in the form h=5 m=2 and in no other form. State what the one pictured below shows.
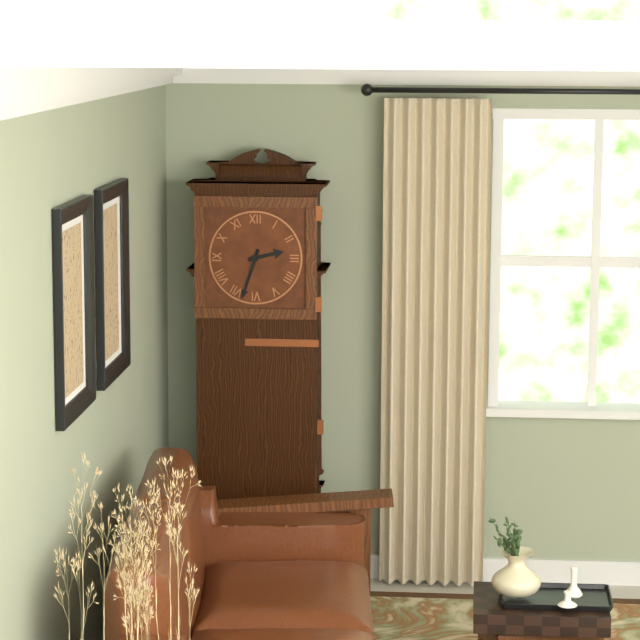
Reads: h=2 m=33
